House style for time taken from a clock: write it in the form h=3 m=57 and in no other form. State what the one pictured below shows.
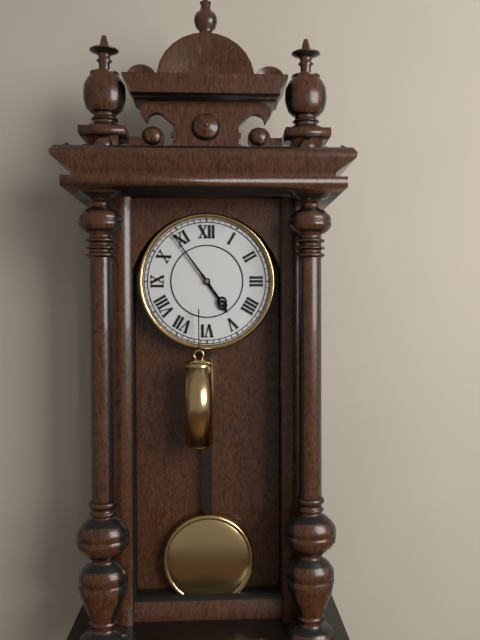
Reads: h=4 m=54
